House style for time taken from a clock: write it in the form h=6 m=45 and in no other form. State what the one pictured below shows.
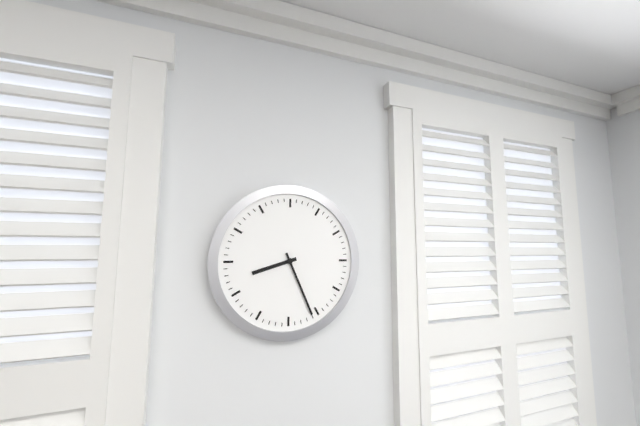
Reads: h=8 m=26
